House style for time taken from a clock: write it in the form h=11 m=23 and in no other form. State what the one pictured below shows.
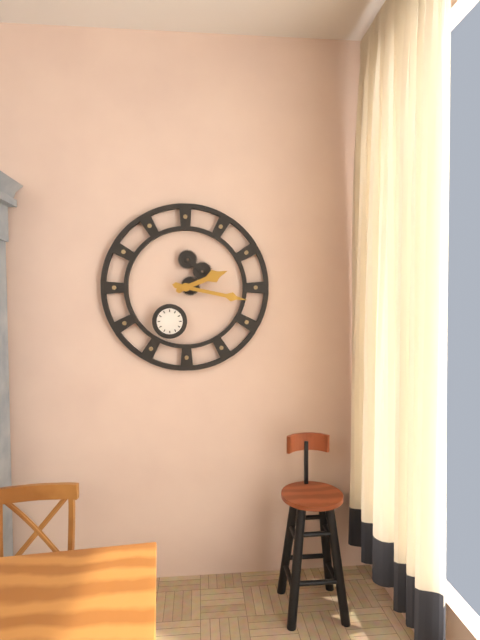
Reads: h=2 m=17
